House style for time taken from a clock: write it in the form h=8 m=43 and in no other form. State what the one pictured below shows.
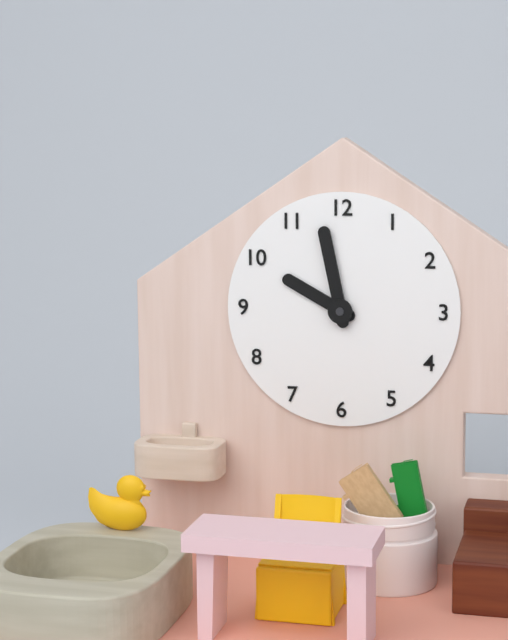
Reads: h=9 m=58
